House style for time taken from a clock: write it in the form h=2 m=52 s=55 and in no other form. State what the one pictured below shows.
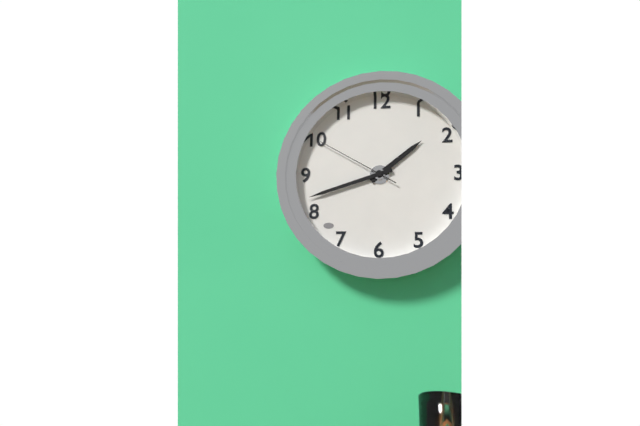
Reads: h=1 m=42 s=50
